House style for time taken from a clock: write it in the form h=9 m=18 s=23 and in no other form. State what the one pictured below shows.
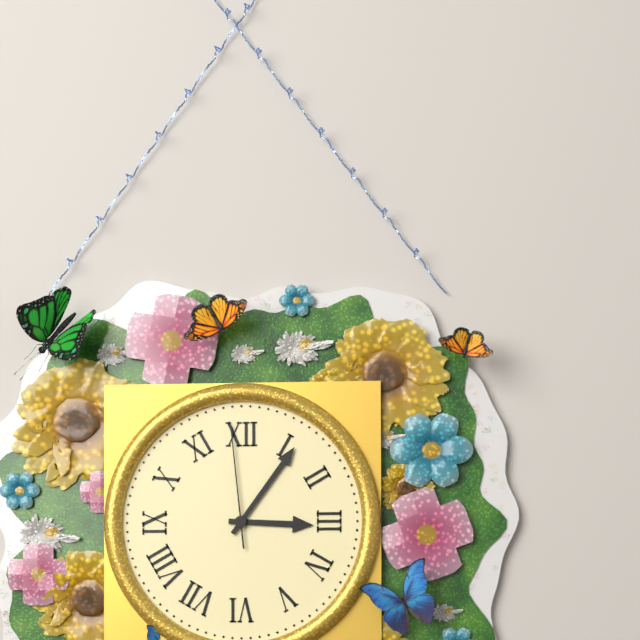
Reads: h=3 m=6 s=59
